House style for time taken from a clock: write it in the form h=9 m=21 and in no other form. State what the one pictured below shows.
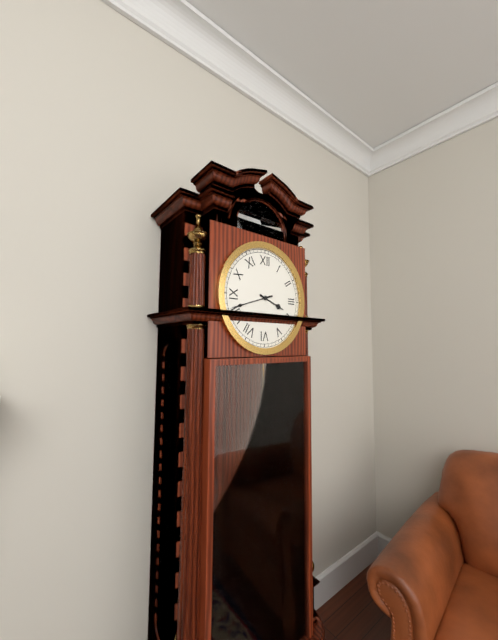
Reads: h=3 m=42
